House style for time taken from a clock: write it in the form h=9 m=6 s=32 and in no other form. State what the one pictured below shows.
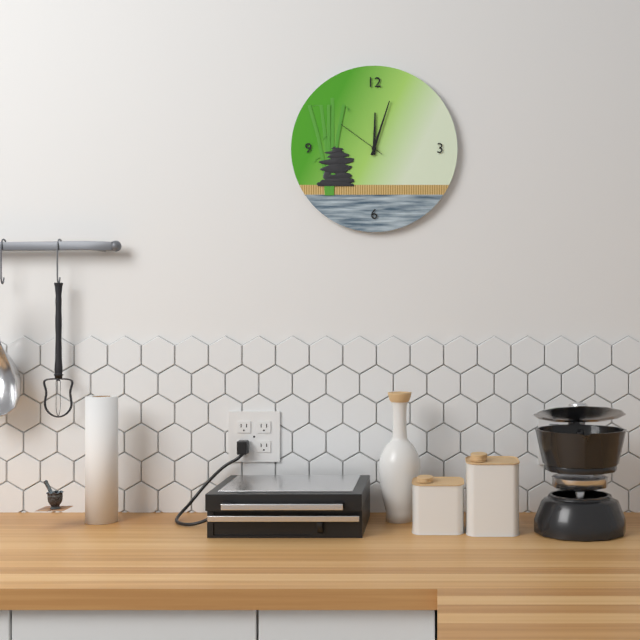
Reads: h=12 m=3 s=51
